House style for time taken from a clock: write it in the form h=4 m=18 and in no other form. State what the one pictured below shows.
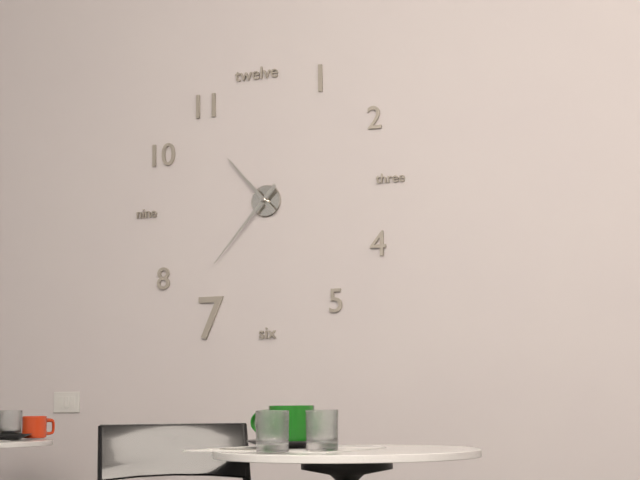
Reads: h=10 m=37
